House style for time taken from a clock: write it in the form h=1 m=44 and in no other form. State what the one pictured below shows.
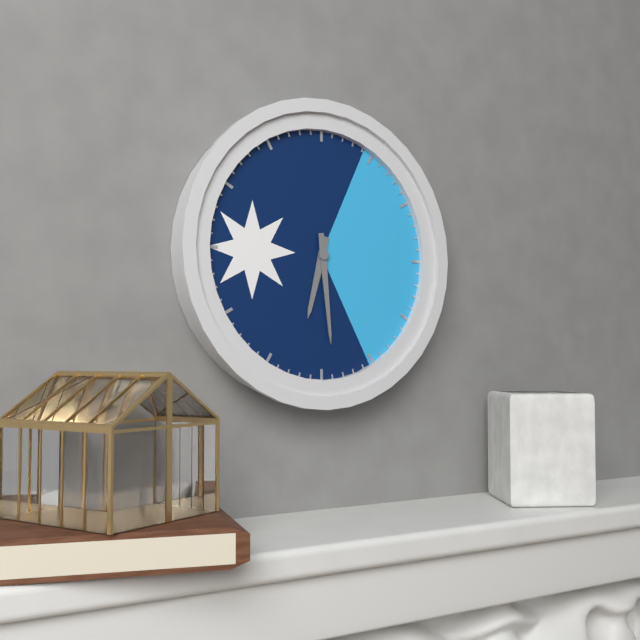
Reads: h=6 m=29
